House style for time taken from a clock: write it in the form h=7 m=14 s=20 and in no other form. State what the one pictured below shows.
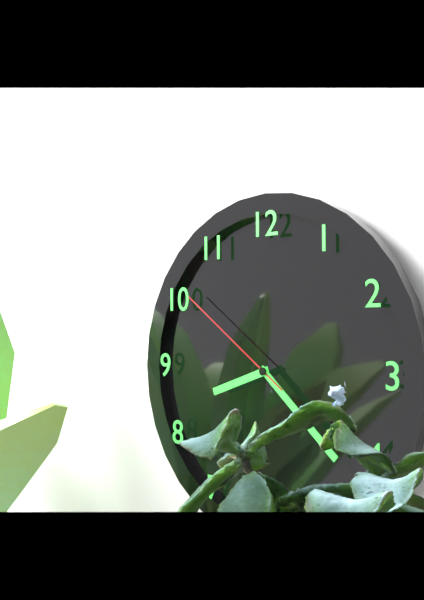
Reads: h=8 m=22 s=51
